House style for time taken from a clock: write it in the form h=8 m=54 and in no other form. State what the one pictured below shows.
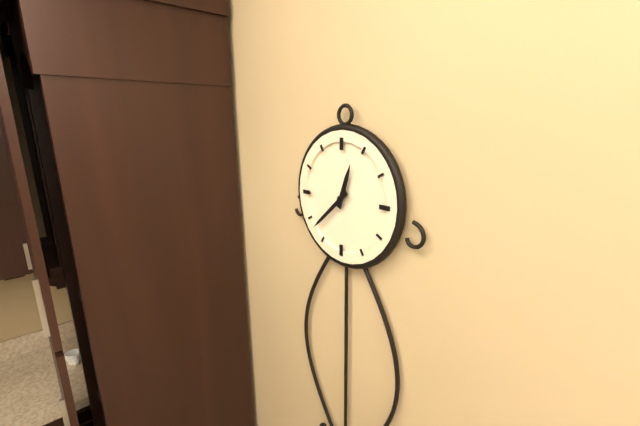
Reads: h=12 m=38
